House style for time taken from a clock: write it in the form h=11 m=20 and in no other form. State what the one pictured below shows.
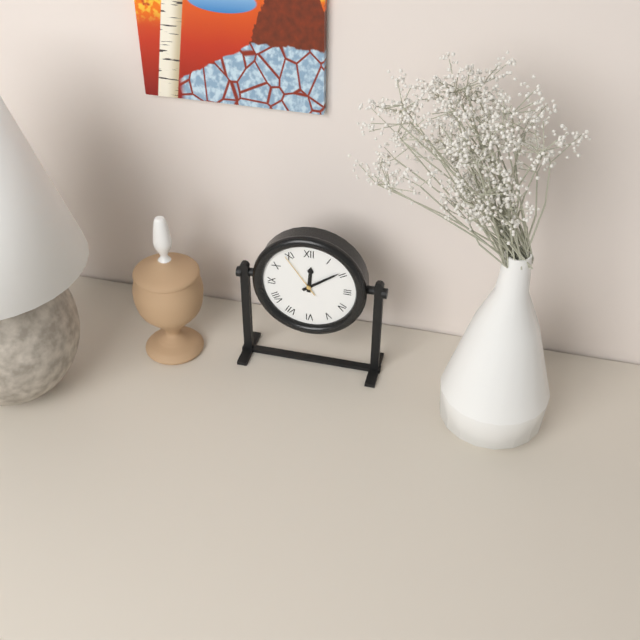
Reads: h=12 m=9
